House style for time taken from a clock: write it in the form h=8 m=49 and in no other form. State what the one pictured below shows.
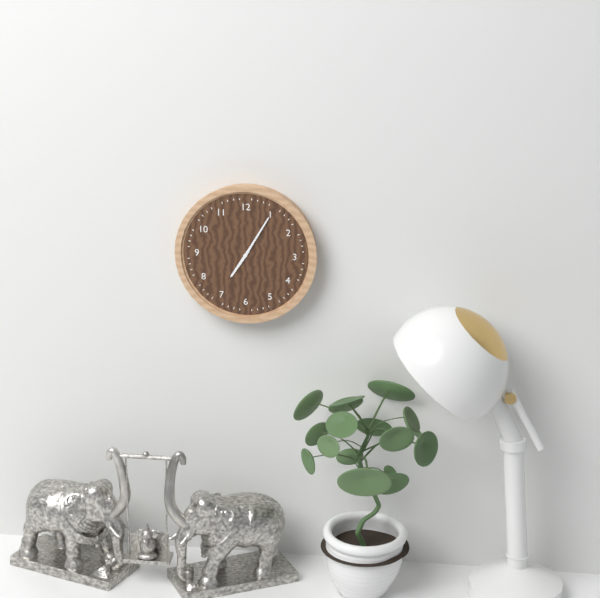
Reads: h=7 m=5
